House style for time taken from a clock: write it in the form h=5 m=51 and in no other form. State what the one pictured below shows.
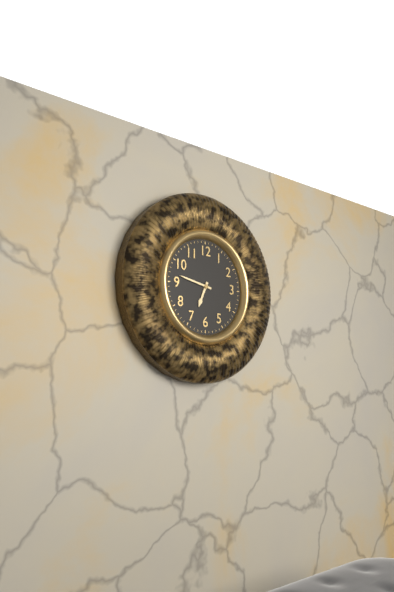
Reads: h=6 m=47
